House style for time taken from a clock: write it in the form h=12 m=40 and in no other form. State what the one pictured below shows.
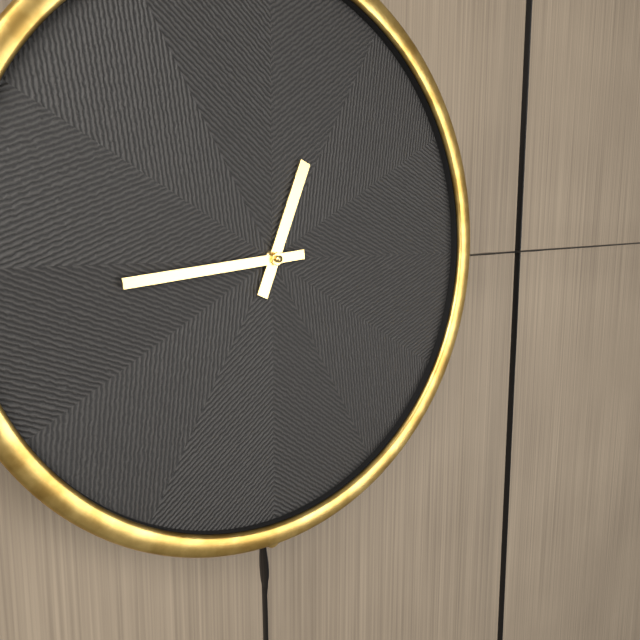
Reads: h=12 m=44
